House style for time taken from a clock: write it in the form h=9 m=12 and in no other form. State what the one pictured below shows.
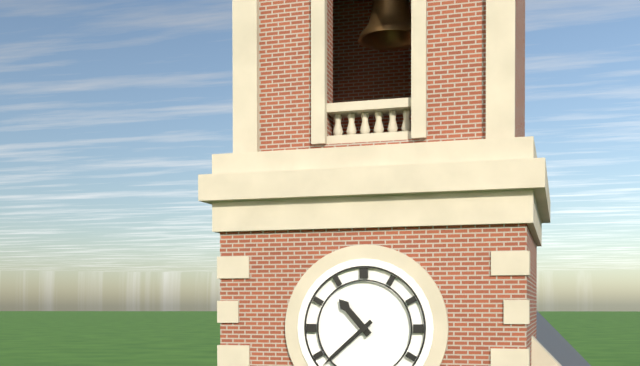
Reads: h=10 m=38
